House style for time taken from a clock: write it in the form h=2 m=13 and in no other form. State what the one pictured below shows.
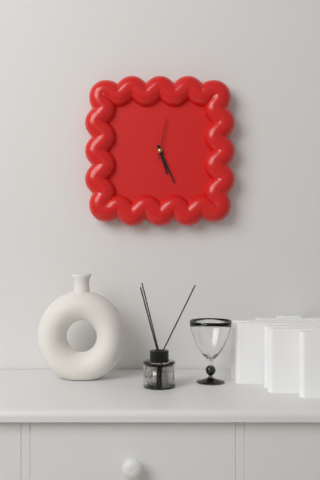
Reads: h=5 m=26
